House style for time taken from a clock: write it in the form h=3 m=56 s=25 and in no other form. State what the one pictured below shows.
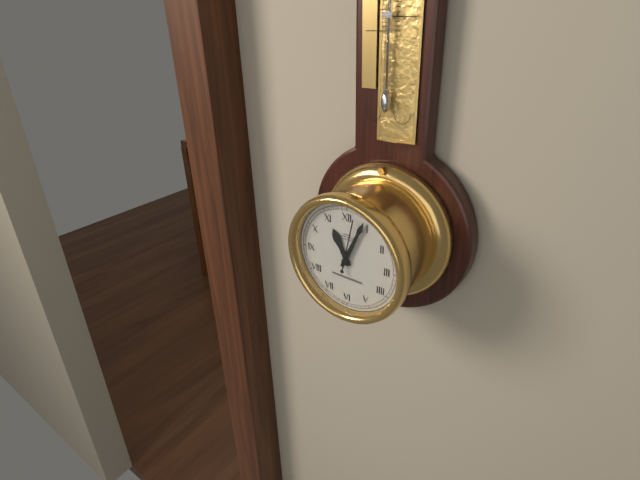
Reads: h=11 m=4 s=2
